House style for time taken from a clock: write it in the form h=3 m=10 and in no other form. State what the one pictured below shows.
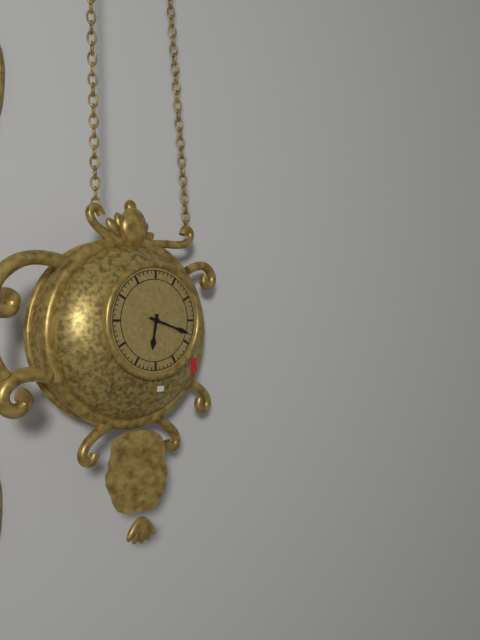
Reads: h=6 m=18
